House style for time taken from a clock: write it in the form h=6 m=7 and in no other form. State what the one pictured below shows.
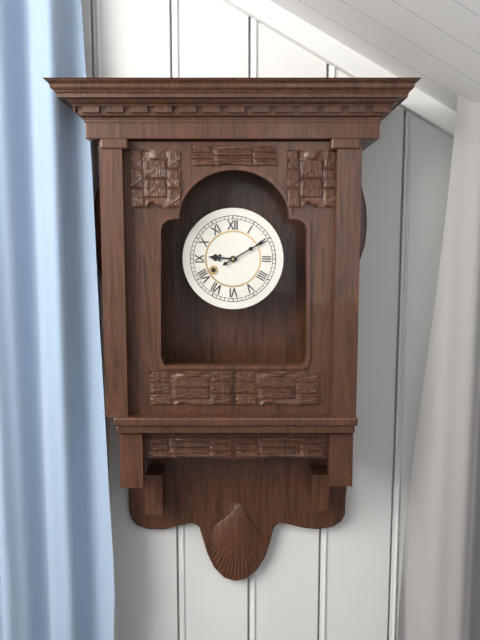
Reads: h=9 m=10
